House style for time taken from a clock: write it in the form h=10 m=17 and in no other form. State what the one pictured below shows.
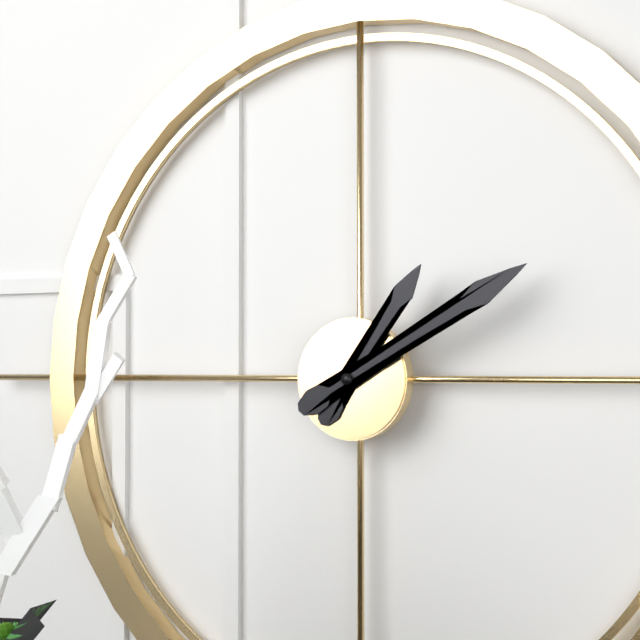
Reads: h=1 m=10
